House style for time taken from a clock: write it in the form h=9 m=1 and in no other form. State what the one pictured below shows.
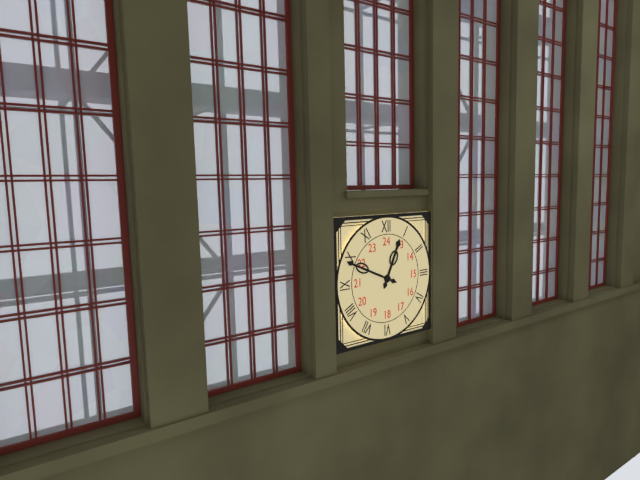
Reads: h=12 m=49
